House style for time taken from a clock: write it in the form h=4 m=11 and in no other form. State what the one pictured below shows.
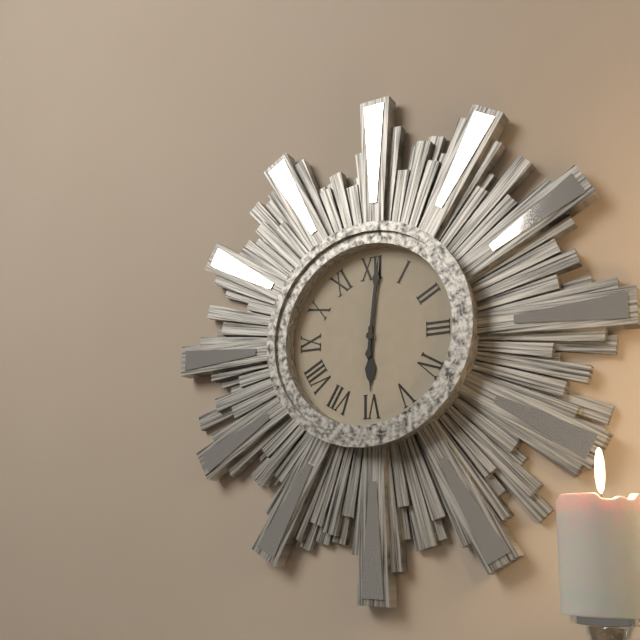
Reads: h=6 m=1
